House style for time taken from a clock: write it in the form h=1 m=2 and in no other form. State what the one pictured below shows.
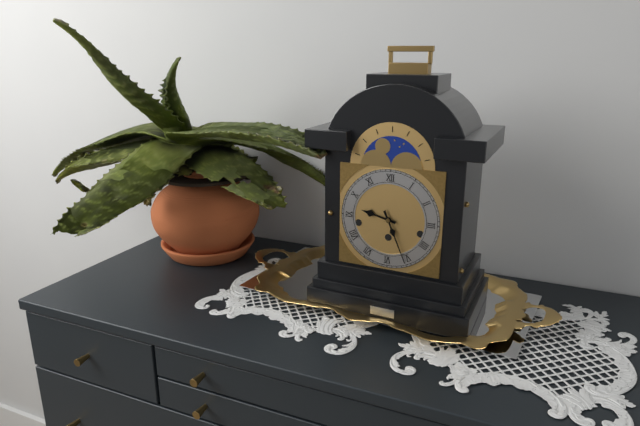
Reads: h=9 m=26
